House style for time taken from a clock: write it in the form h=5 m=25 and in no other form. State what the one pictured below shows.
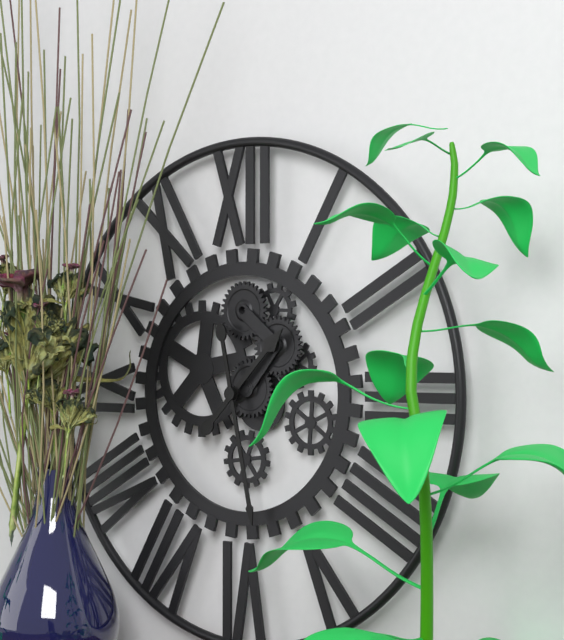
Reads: h=1 m=28
